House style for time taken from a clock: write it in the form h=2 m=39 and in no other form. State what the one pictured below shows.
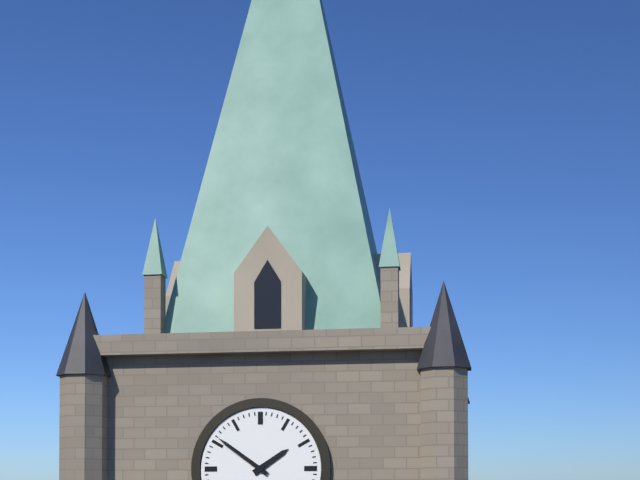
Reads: h=1 m=51
